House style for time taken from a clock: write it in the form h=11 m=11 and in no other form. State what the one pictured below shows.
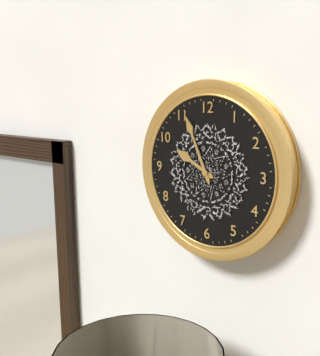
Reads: h=9 m=56
